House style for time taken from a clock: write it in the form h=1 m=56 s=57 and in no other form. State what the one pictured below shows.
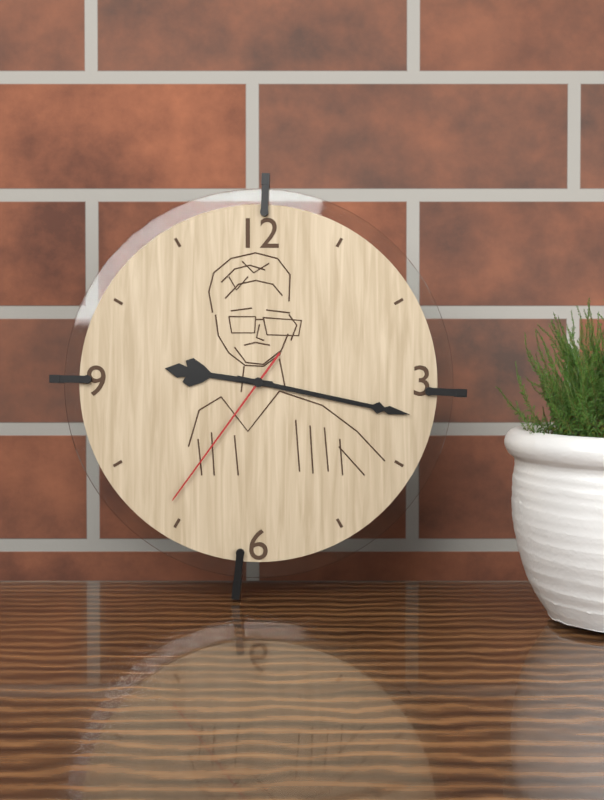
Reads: h=9 m=17 s=36
